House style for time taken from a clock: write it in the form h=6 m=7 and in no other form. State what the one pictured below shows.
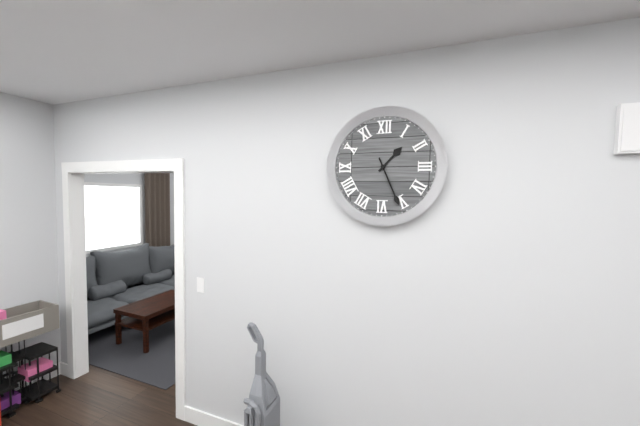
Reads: h=1 m=26
